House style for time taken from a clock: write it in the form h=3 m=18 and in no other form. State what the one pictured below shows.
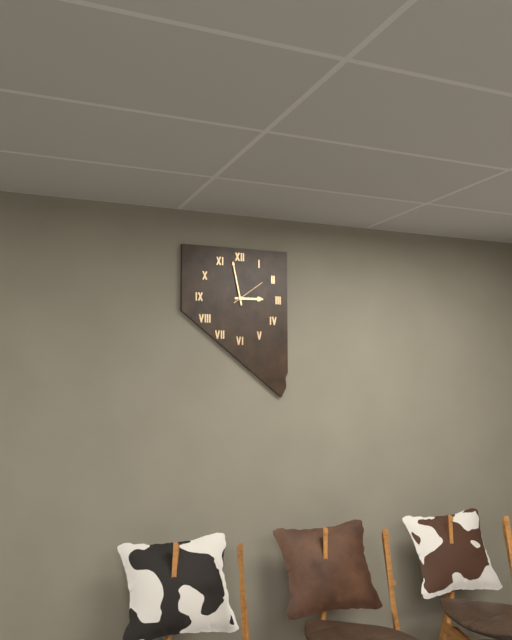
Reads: h=2 m=58
